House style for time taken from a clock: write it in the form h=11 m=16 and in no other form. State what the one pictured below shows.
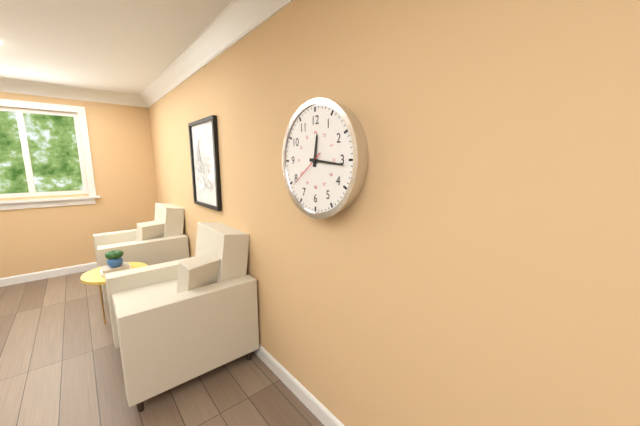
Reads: h=12 m=16
